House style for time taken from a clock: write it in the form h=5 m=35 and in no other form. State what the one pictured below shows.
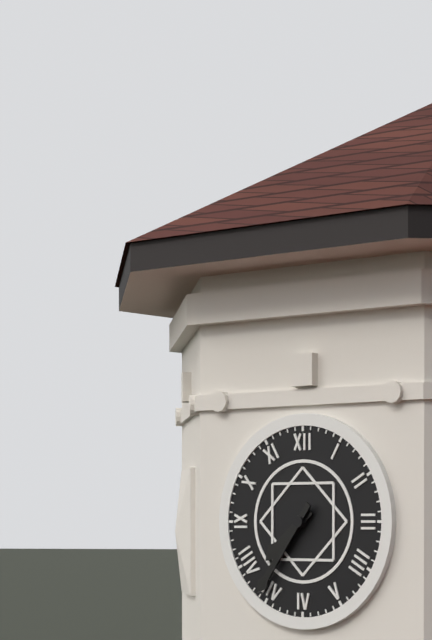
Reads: h=7 m=36
